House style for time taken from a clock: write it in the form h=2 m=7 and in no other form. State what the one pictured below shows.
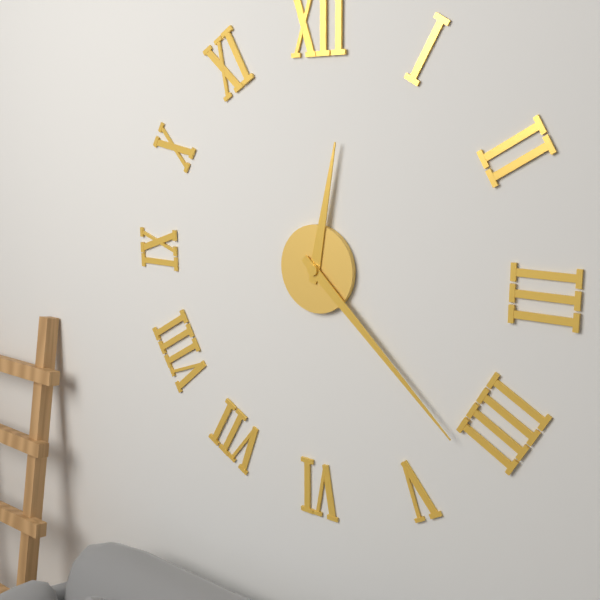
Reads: h=12 m=22
